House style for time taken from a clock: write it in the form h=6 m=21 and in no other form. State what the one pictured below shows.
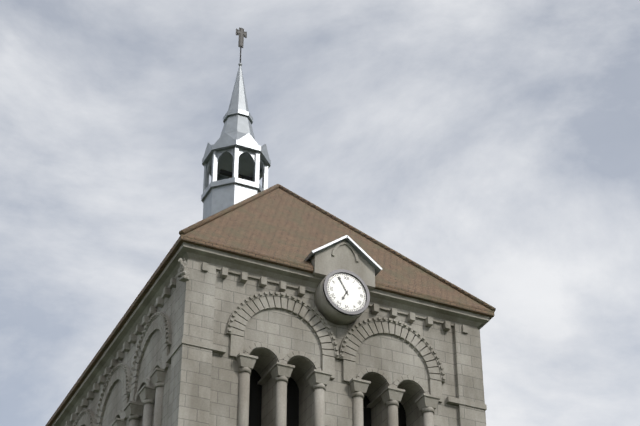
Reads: h=6 m=55
